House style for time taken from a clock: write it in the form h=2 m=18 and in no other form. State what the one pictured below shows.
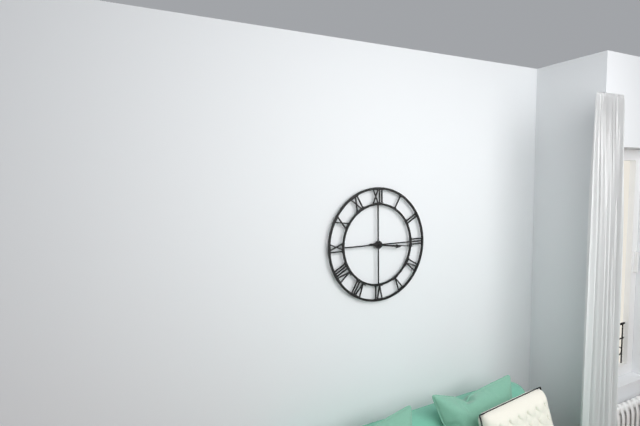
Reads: h=3 m=16
